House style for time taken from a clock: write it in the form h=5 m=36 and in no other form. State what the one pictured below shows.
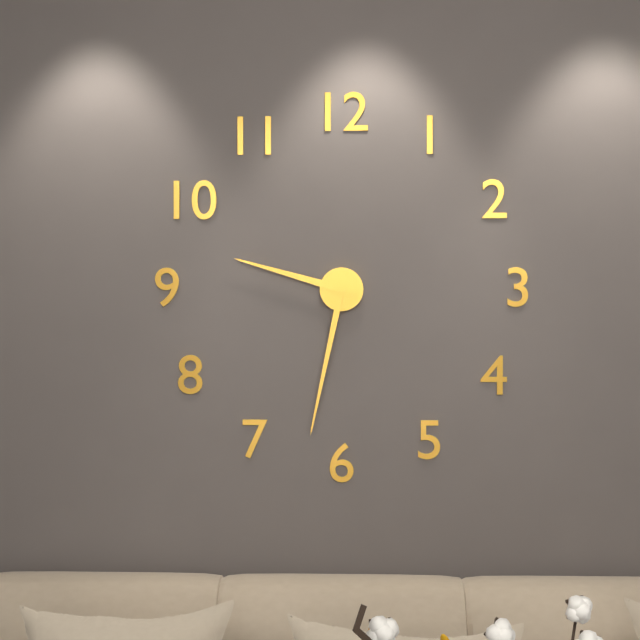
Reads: h=9 m=32
